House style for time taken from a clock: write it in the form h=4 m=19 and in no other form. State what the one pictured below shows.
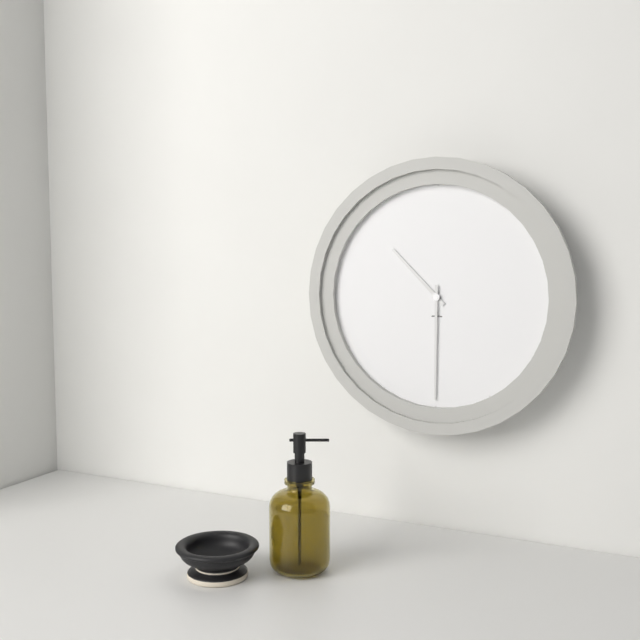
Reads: h=10 m=30
